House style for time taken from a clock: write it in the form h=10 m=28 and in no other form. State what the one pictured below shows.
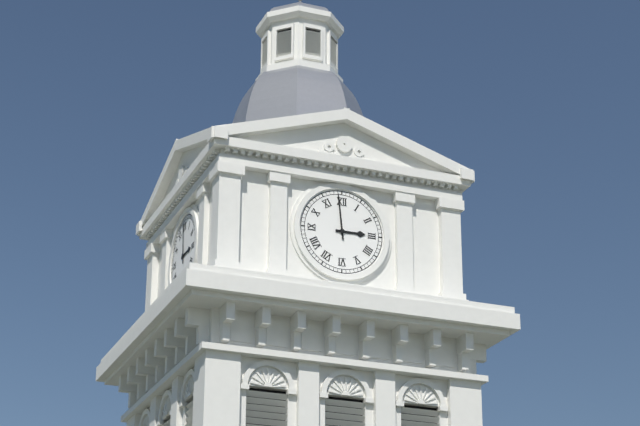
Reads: h=2 m=59
